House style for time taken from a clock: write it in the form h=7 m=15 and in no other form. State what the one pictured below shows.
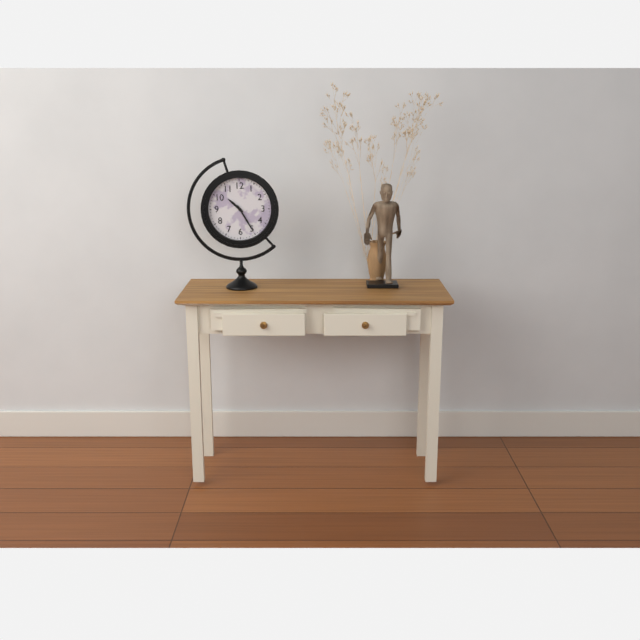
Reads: h=10 m=25
